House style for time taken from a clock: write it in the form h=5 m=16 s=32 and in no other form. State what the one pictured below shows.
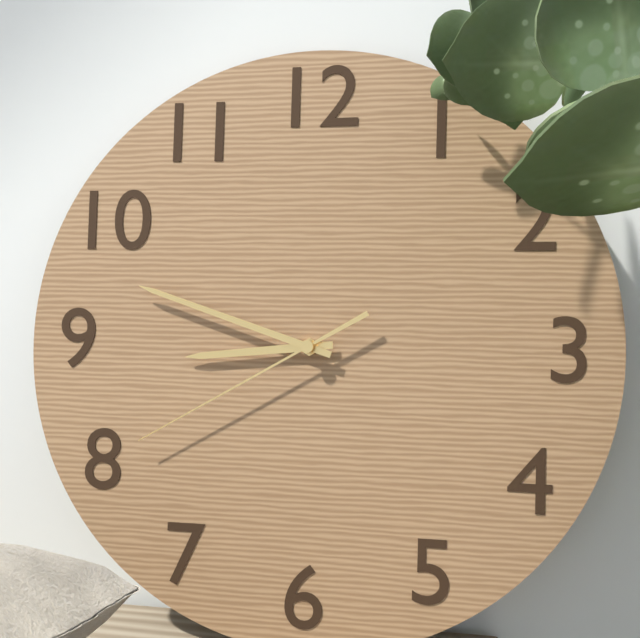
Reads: h=8 m=48 s=40
